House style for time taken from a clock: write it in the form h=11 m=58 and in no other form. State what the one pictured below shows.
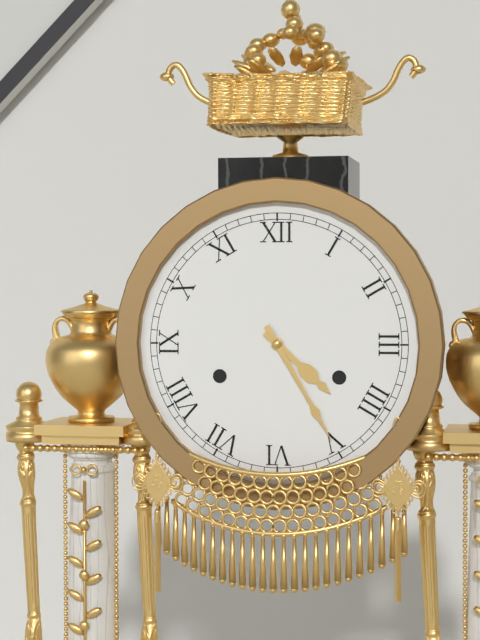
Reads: h=4 m=25
